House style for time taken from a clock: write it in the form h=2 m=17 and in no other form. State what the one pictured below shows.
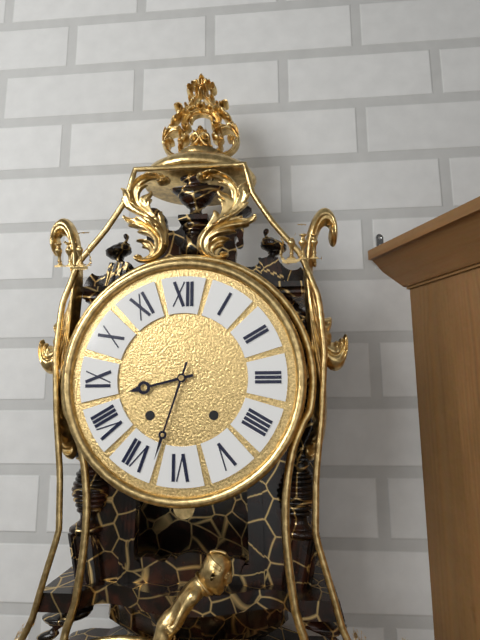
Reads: h=8 m=33
